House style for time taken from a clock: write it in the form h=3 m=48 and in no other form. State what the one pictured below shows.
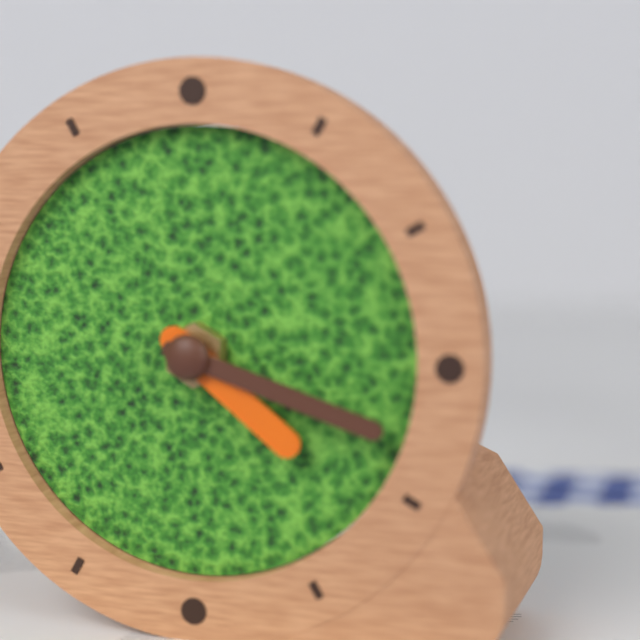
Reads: h=4 m=18
